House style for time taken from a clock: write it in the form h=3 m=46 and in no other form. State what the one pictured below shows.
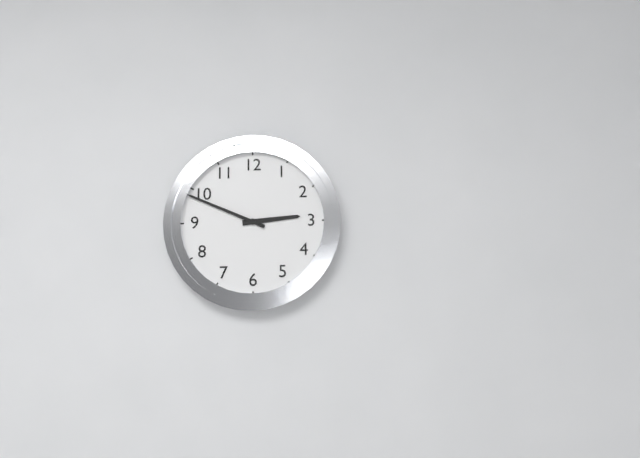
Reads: h=2 m=49
